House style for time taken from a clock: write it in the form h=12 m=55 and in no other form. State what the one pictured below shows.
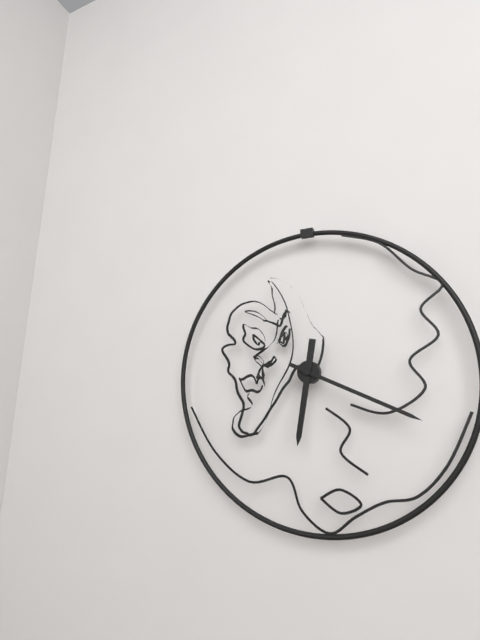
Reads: h=6 m=19
